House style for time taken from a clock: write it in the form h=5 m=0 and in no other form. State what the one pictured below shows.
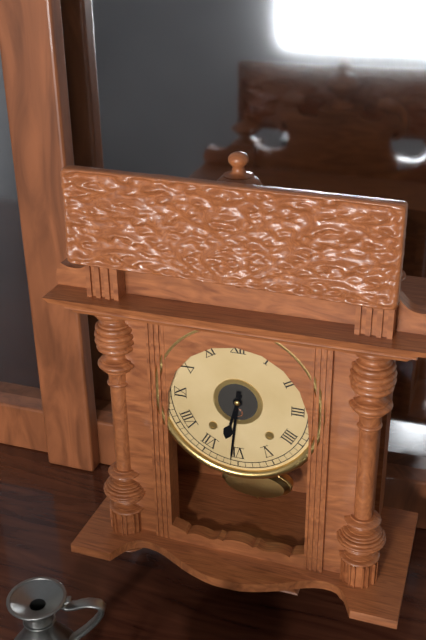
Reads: h=6 m=31
